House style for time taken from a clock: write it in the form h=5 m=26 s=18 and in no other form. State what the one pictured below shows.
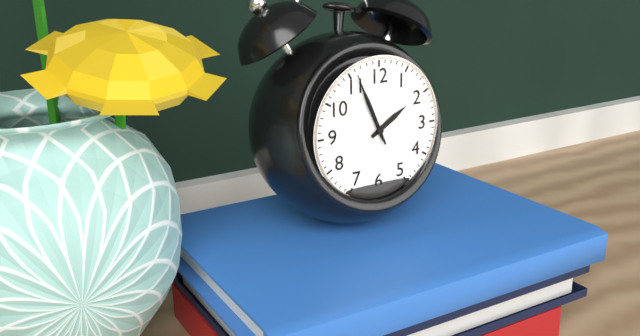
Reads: h=1 m=56 s=56
